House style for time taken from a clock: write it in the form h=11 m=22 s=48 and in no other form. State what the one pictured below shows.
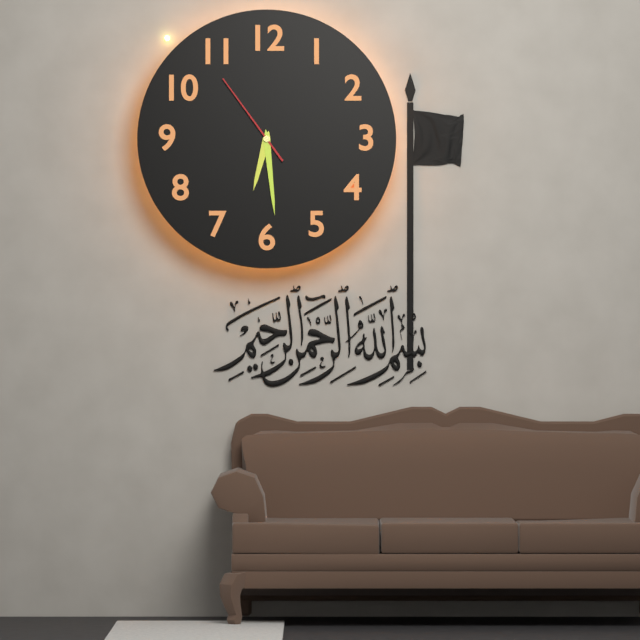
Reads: h=6 m=29 s=54
